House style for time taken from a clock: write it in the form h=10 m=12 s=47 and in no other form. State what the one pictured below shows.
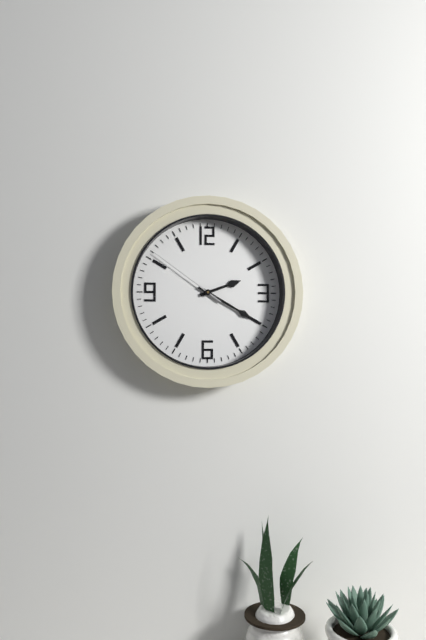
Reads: h=2 m=20 s=51
